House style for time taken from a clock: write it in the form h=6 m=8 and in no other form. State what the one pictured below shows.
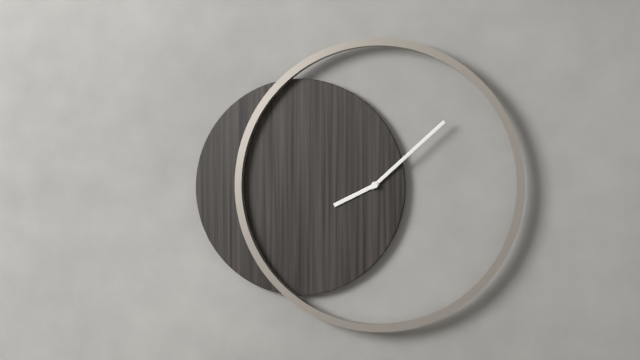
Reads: h=8 m=8
